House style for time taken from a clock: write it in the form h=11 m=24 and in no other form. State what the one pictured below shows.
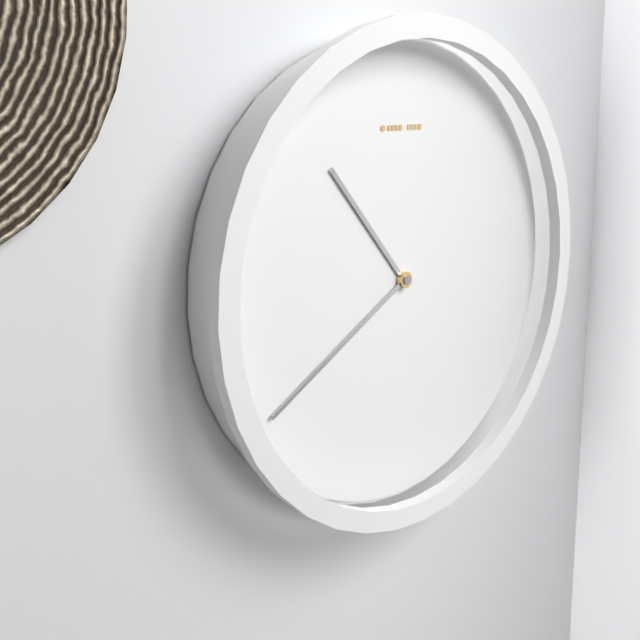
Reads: h=10 m=40
